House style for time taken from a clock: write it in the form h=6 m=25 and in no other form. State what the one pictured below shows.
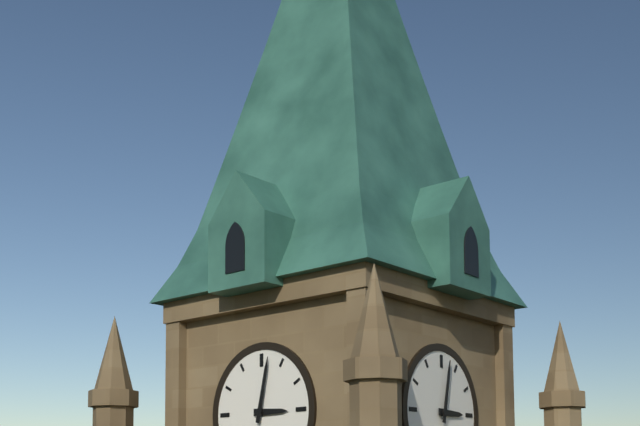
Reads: h=3 m=2
